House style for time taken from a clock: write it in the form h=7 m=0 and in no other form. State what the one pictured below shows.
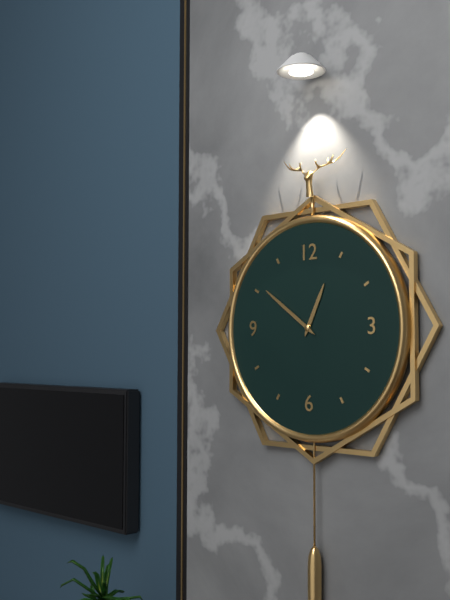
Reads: h=12 m=51
